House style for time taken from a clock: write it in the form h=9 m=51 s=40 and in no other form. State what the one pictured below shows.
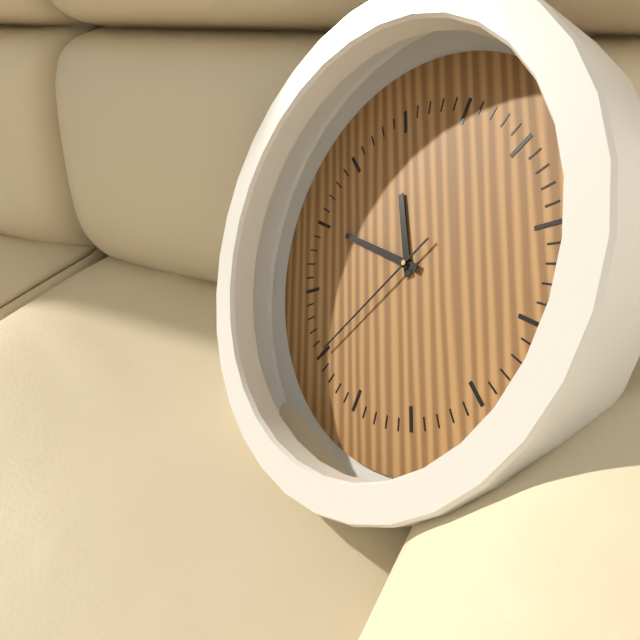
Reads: h=11 m=50 s=40
